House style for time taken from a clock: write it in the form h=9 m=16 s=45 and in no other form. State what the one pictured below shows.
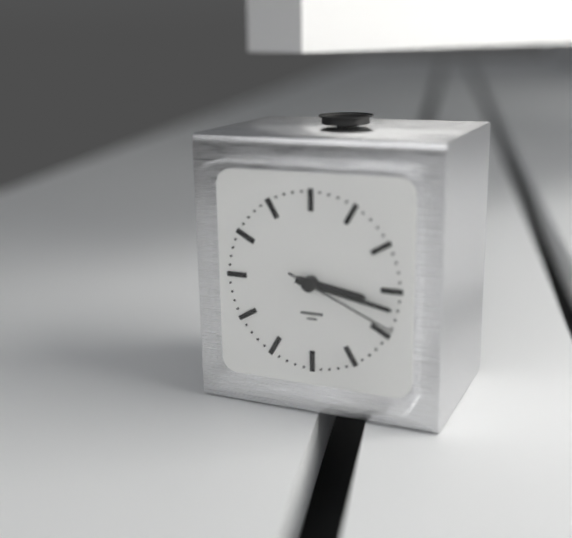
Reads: h=3 m=17 s=19
